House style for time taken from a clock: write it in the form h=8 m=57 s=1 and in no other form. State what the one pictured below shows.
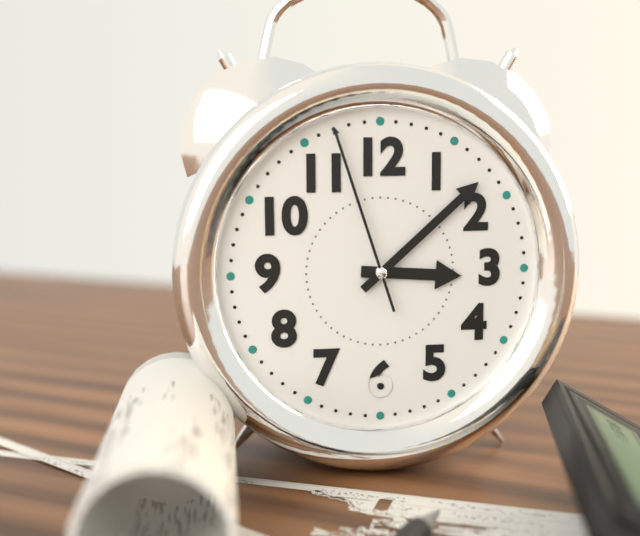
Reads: h=3 m=8 s=57
